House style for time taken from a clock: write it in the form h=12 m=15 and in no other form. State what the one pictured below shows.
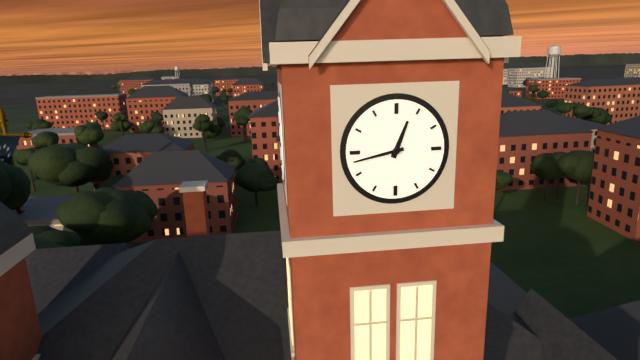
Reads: h=12 m=43
